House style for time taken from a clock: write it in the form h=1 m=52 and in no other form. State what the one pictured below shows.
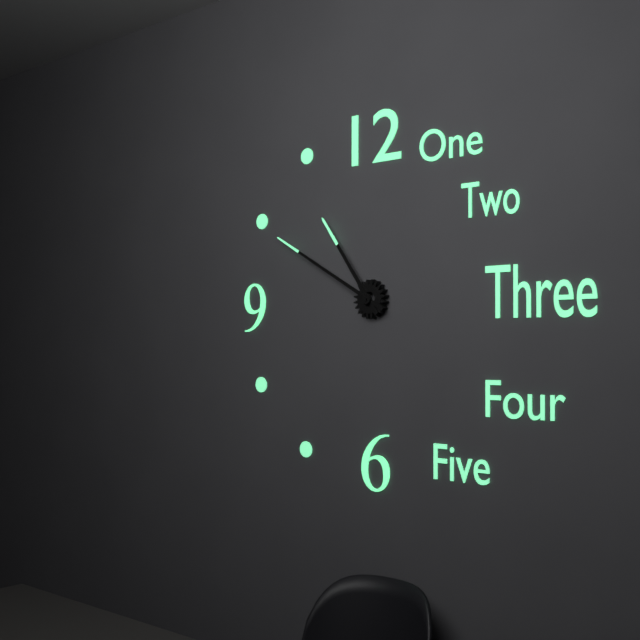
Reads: h=10 m=50
